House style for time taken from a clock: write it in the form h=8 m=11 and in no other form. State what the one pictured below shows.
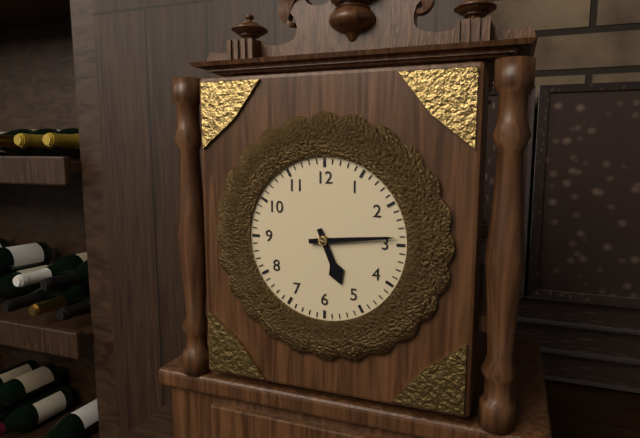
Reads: h=5 m=14
